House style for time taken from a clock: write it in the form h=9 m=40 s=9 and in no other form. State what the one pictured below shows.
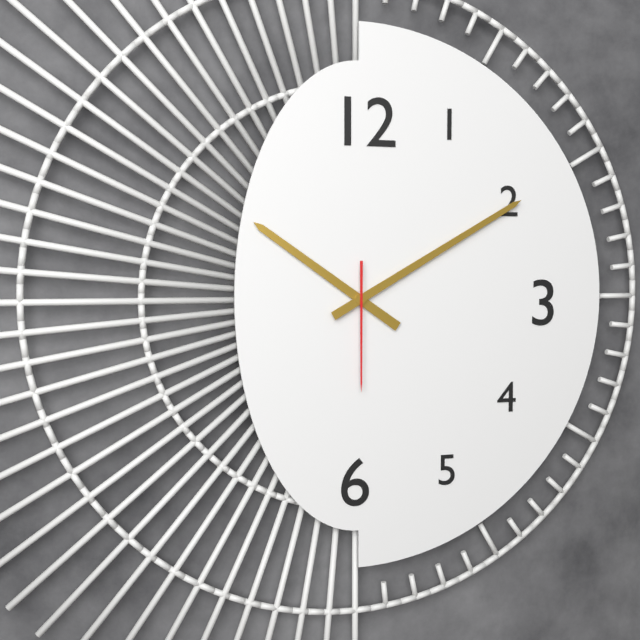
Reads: h=10 m=10 s=30
